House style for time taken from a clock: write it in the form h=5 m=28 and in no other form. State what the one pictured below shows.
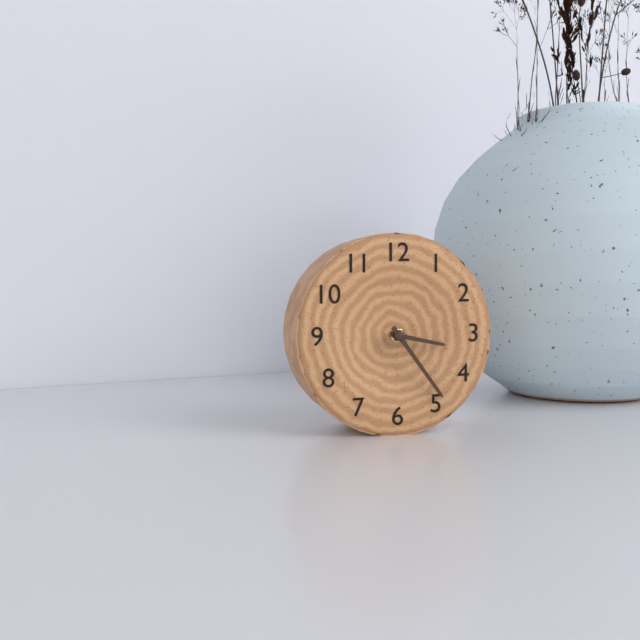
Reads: h=3 m=24
